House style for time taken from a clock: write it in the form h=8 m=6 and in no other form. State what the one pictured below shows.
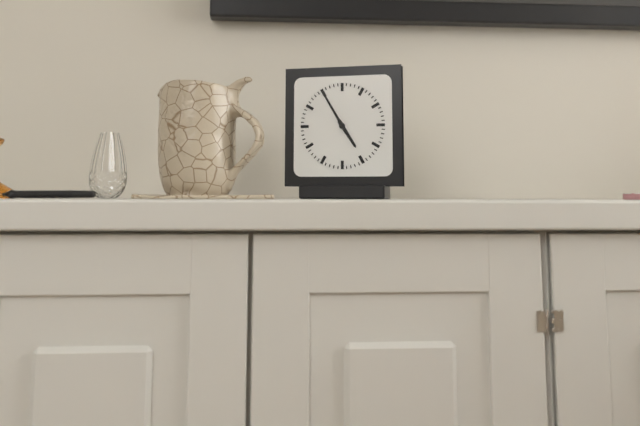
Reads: h=4 m=55
